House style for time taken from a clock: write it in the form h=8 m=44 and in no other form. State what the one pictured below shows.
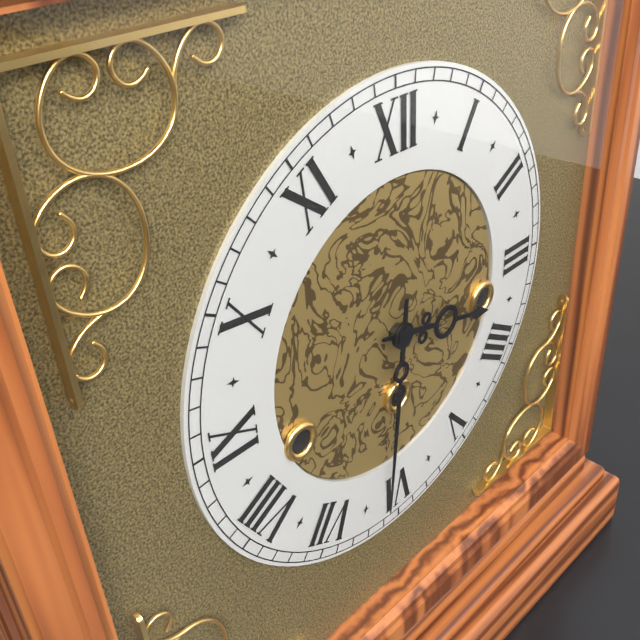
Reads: h=3 m=31
